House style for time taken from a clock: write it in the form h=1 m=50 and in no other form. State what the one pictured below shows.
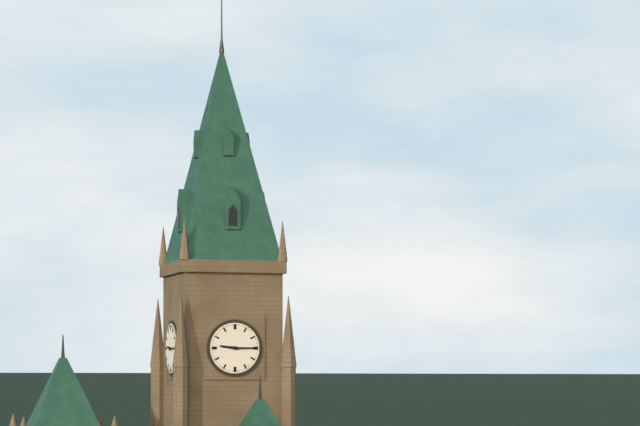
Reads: h=9 m=15
